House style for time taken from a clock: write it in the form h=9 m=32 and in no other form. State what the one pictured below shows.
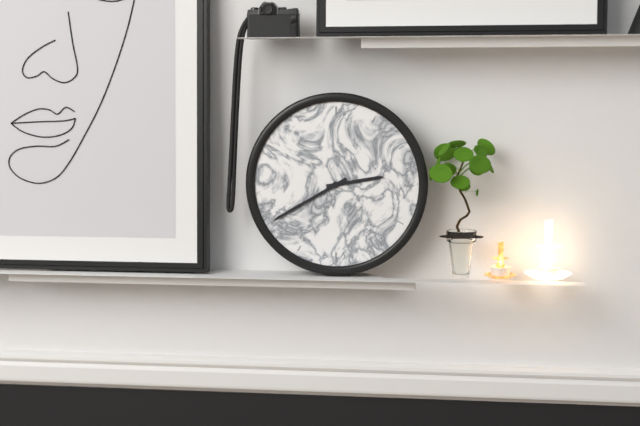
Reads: h=2 m=40
